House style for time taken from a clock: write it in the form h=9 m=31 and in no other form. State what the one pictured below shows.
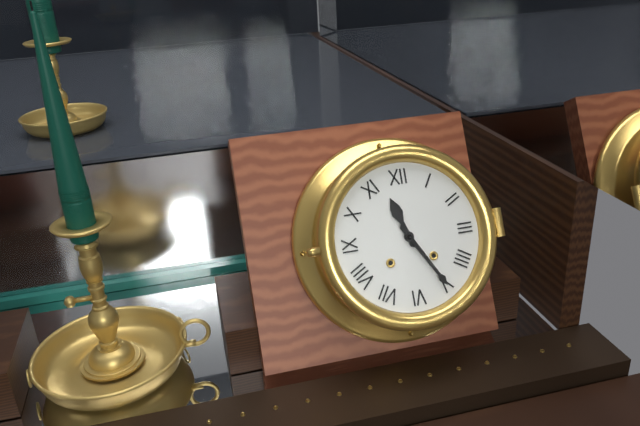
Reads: h=11 m=25
